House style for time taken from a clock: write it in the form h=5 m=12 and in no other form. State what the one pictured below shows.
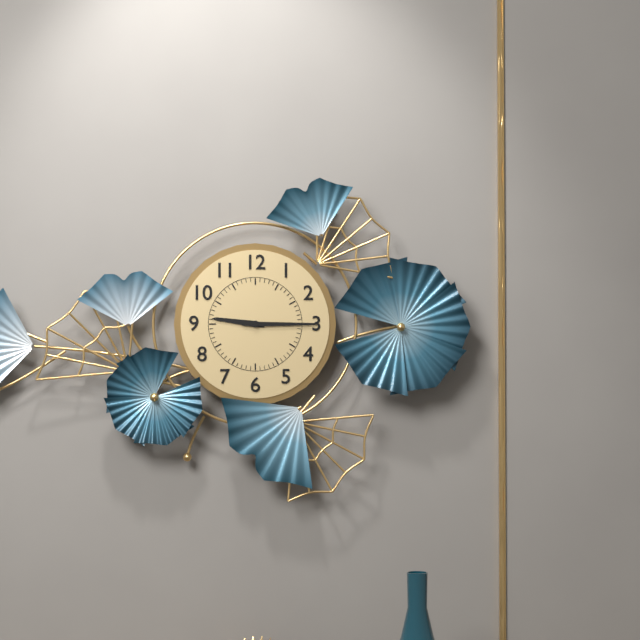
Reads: h=9 m=15
